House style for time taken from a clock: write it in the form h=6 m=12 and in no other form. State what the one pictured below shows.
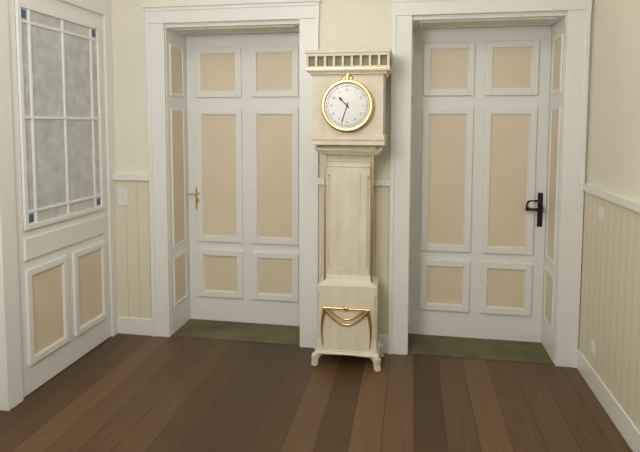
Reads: h=10 m=33
